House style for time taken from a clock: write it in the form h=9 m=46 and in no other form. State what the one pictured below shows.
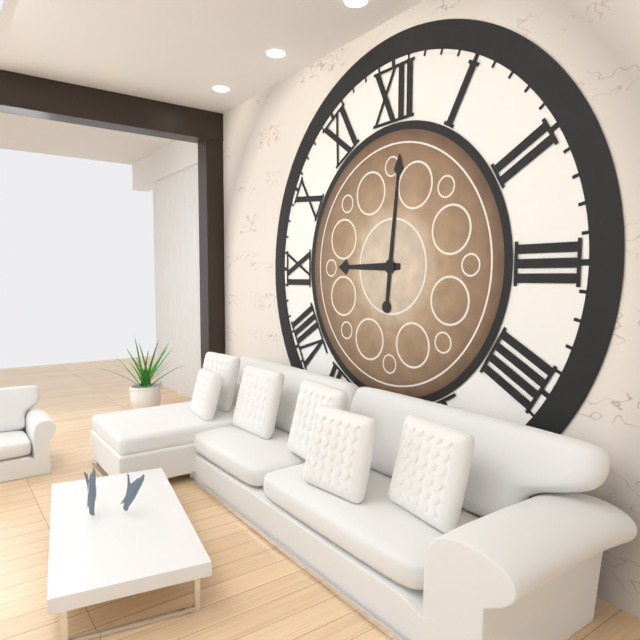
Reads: h=9 m=1
